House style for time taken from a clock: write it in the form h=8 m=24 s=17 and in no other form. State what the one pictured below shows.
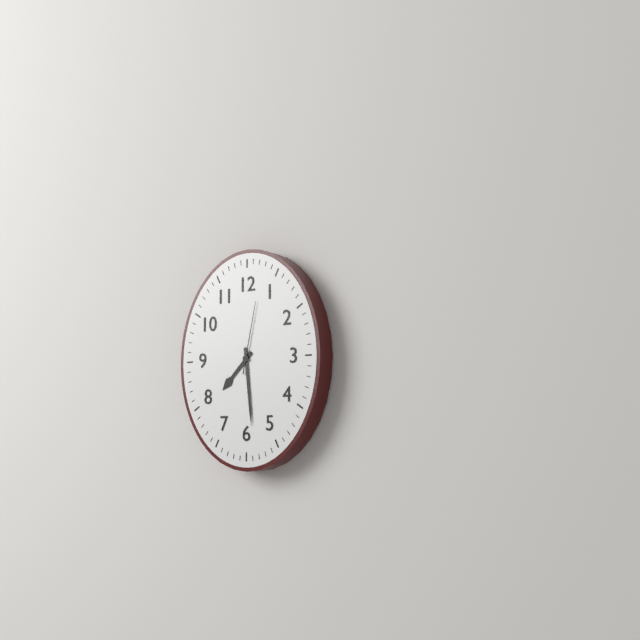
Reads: h=7 m=29 s=2
